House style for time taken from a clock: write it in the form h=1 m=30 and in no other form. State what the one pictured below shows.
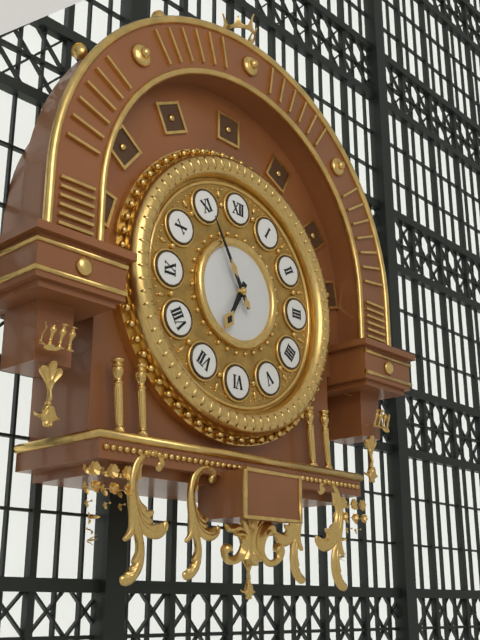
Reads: h=6 m=55
